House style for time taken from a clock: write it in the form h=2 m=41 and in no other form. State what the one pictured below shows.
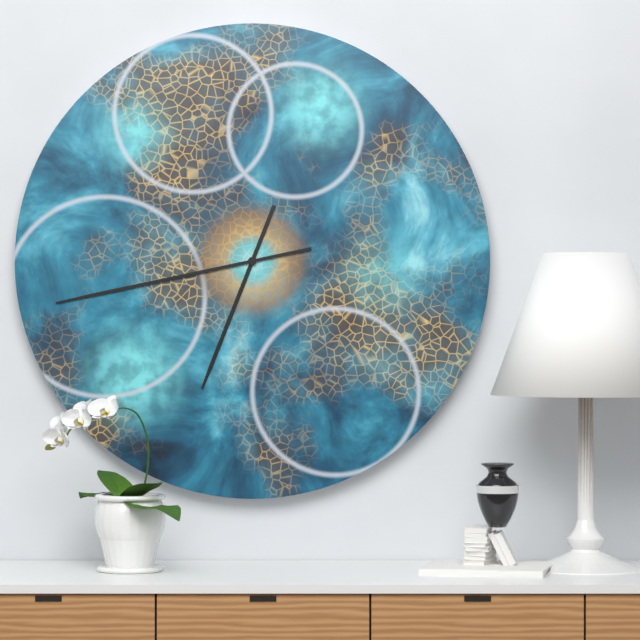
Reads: h=6 m=43
